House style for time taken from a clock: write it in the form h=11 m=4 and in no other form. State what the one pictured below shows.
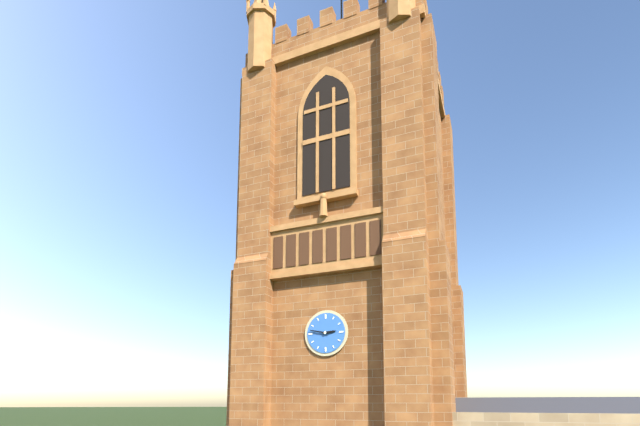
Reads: h=2 m=47
